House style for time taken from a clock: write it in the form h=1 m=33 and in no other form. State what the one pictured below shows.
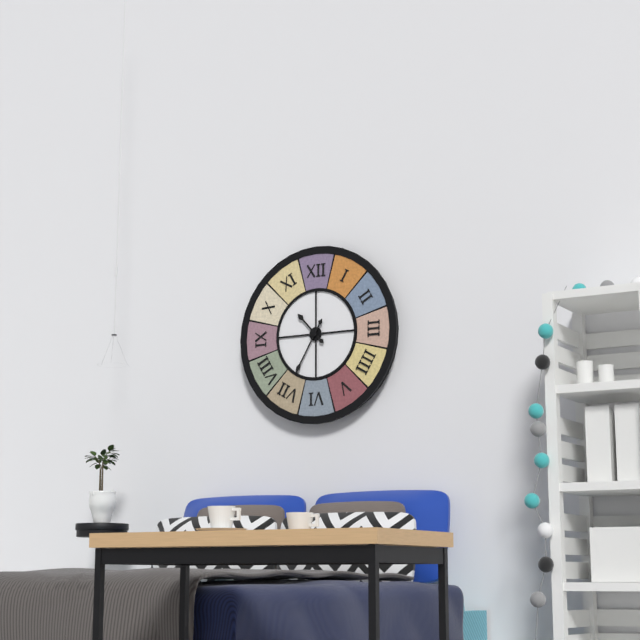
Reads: h=10 m=35
